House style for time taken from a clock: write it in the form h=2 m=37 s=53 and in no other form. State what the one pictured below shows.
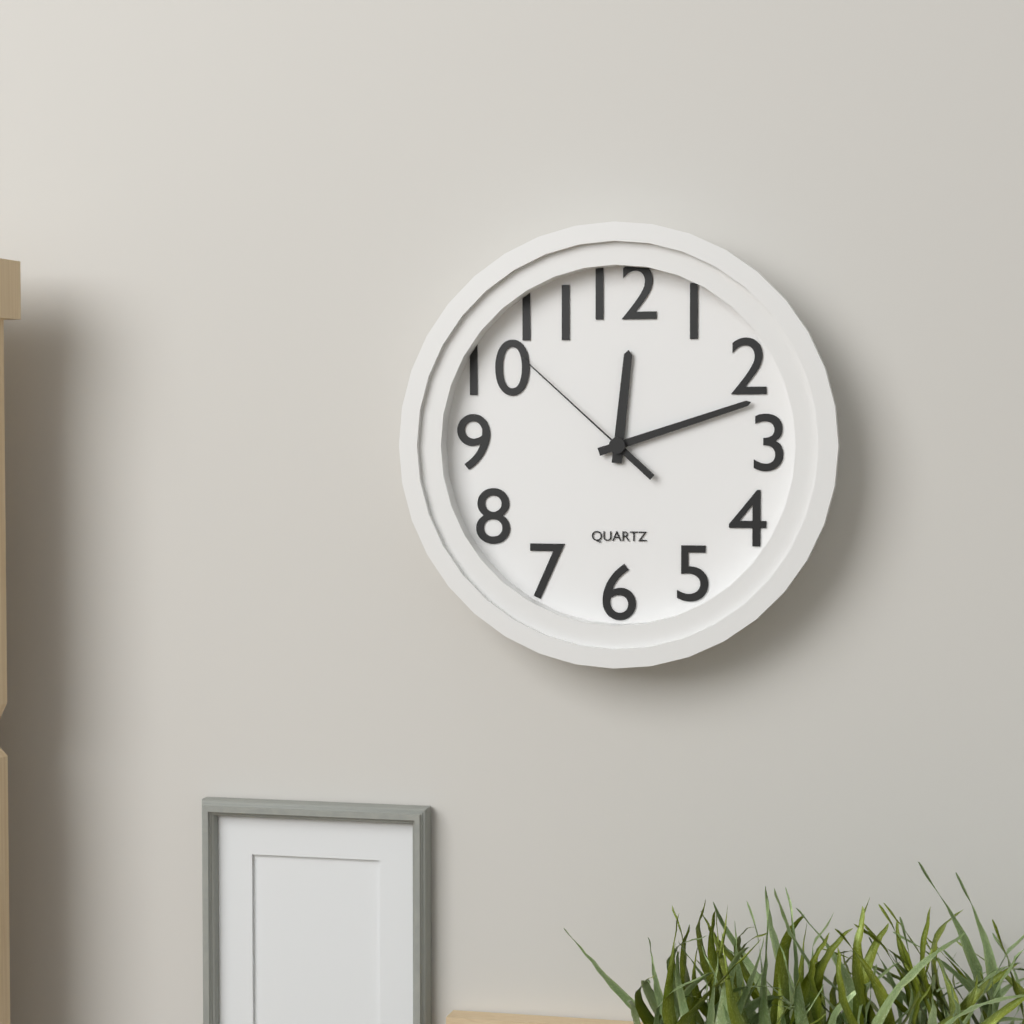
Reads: h=12 m=12 s=52
